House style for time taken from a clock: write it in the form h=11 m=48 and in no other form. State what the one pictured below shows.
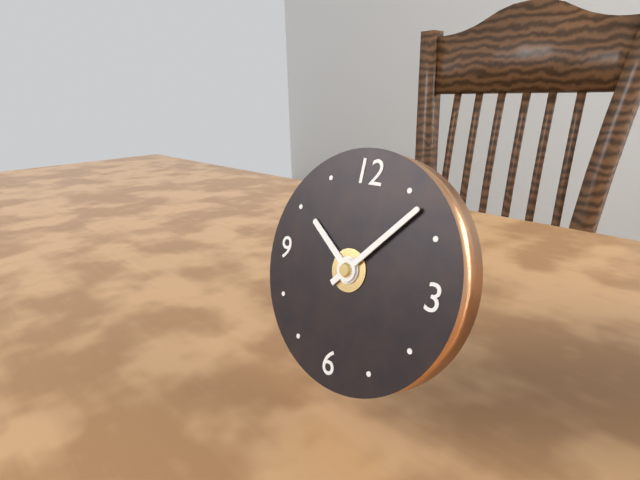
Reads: h=10 m=7
